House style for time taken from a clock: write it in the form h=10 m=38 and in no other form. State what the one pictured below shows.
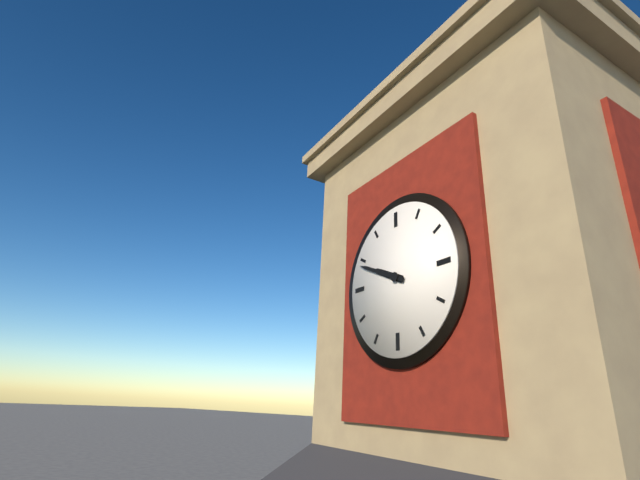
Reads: h=9 m=49
